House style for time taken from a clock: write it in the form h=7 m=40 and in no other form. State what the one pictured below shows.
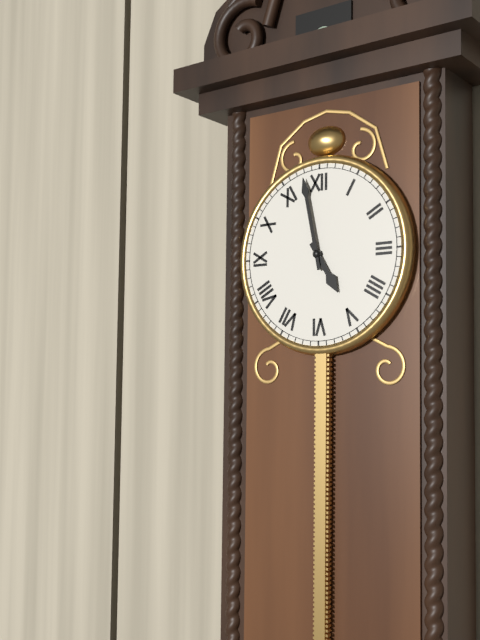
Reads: h=4 m=58
